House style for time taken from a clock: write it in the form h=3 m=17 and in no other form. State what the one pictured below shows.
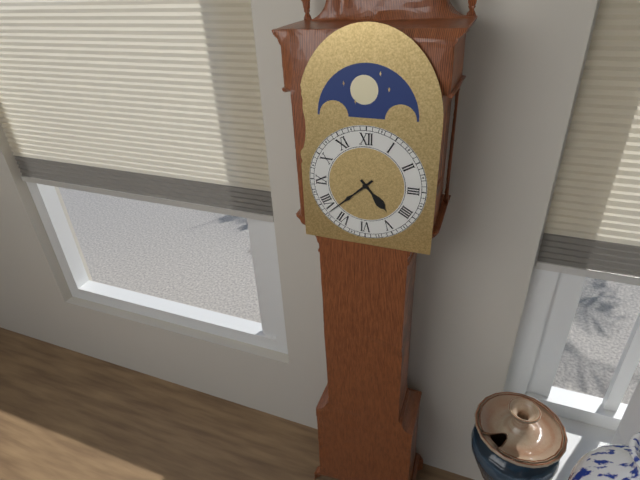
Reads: h=4 m=38
